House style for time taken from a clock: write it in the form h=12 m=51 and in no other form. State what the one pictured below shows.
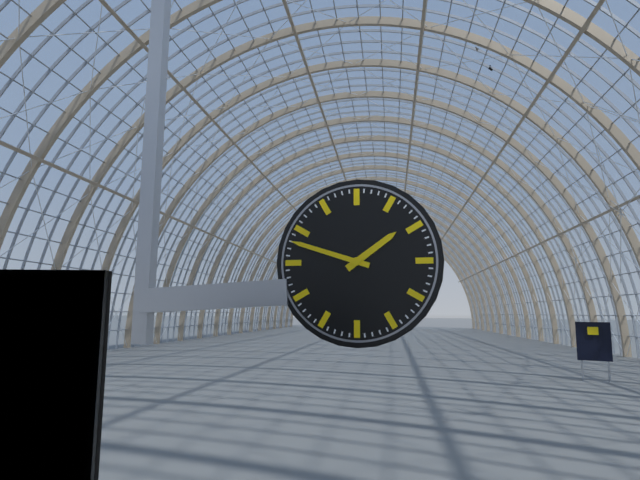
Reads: h=1 m=48
